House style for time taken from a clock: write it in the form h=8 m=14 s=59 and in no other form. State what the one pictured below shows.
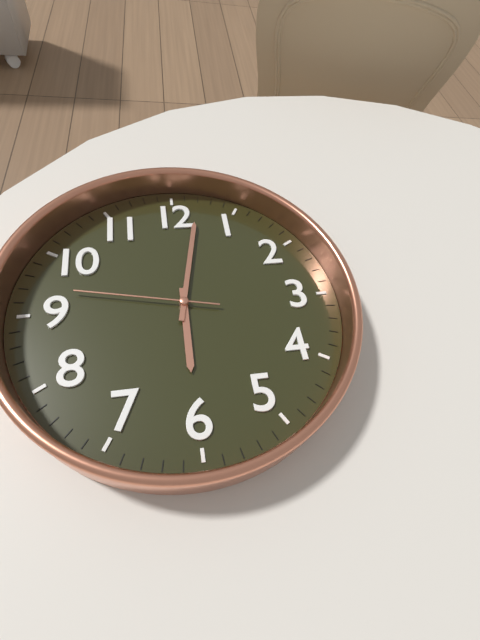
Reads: h=6 m=2 s=47
